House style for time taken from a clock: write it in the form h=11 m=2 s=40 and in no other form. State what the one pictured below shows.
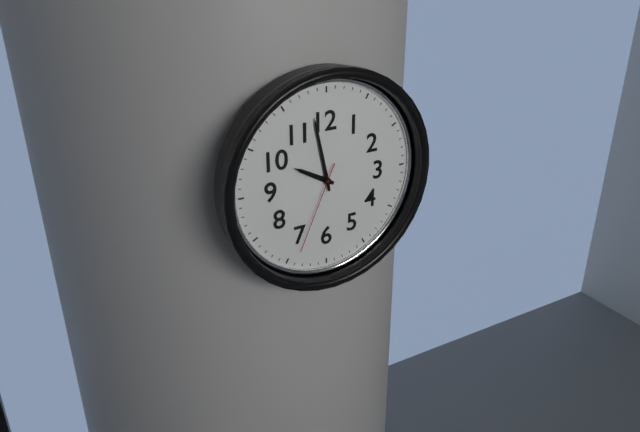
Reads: h=9 m=58 s=34
